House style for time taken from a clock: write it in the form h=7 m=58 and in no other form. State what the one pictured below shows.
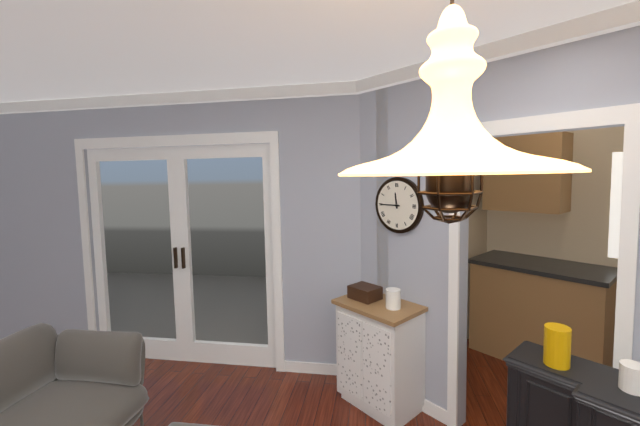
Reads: h=11 m=45
